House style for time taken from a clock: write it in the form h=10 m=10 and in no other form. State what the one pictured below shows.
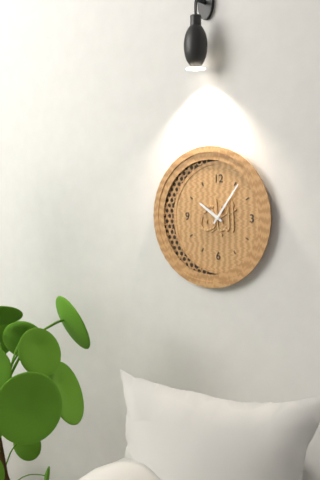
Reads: h=10 m=6
